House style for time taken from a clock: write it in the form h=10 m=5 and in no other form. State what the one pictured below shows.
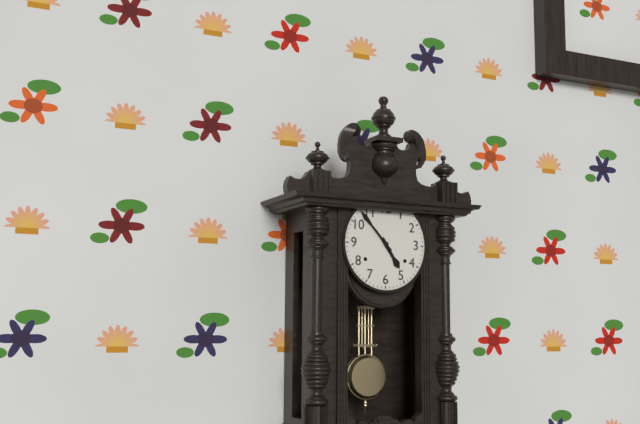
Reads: h=4 m=53
